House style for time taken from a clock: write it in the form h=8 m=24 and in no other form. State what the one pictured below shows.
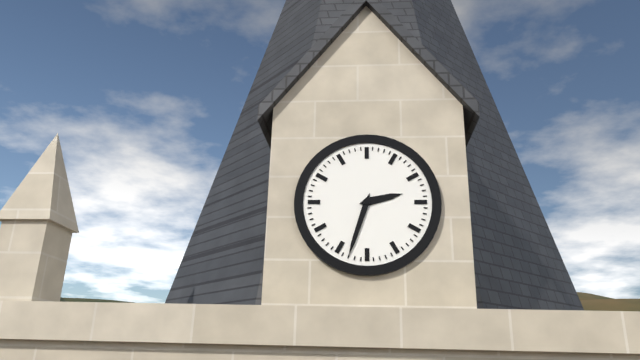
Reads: h=2 m=33
